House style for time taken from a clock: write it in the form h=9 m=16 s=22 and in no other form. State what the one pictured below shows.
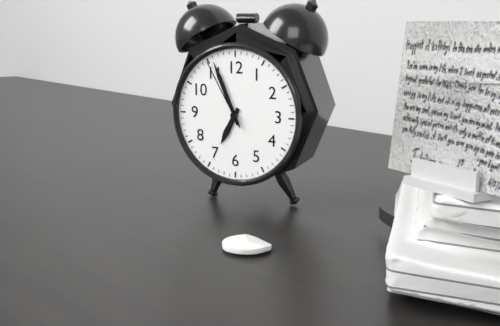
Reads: h=6 m=56 s=55
